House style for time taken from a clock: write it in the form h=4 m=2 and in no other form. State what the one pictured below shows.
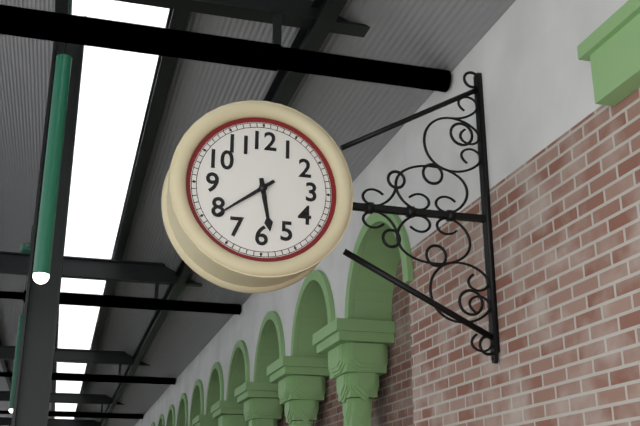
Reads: h=5 m=39
